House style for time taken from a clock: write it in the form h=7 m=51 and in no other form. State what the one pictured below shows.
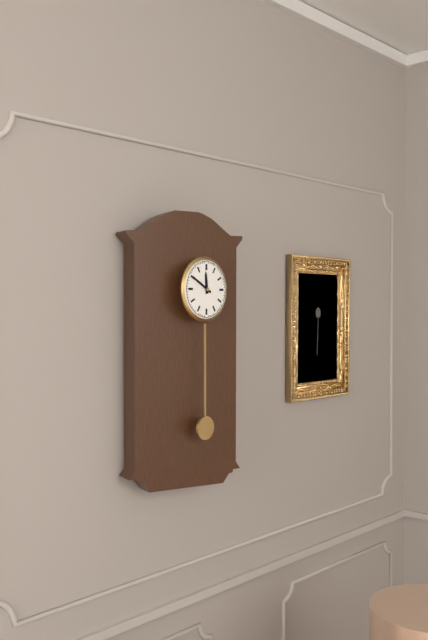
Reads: h=11 m=50
